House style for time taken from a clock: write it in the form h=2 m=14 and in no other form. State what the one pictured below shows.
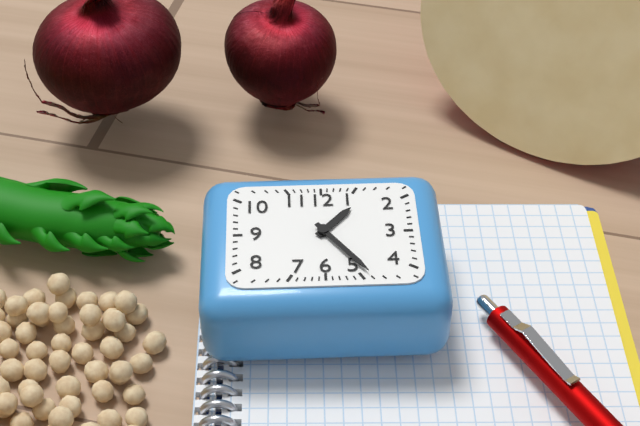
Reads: h=1 m=24
